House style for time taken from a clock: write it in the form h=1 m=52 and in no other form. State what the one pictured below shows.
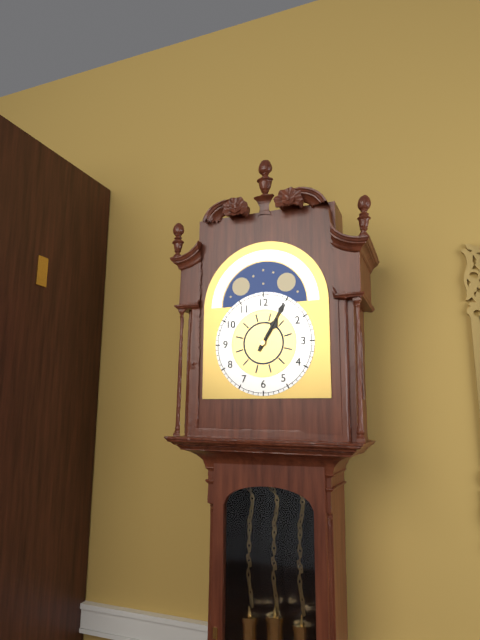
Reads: h=1 m=5
